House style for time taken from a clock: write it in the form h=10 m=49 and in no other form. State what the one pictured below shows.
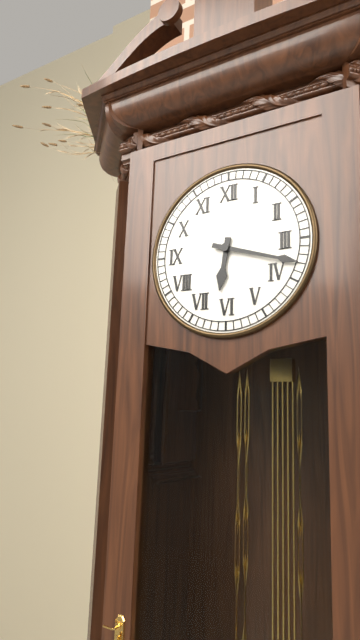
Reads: h=6 m=18
